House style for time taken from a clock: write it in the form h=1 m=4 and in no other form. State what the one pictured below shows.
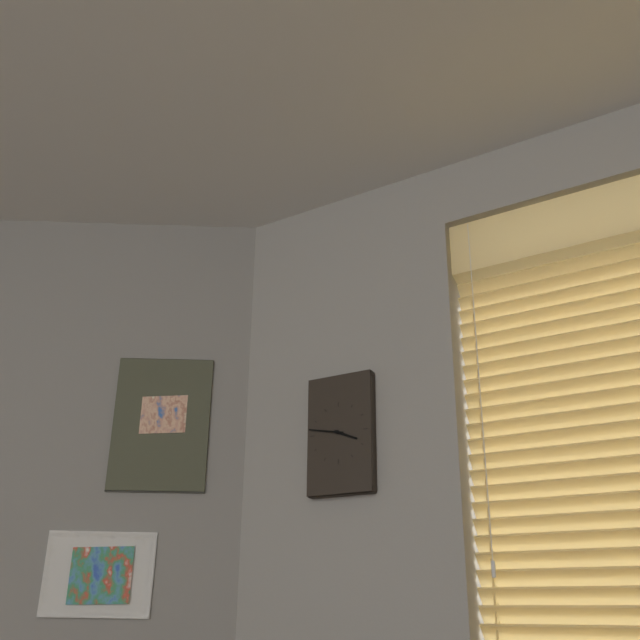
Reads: h=3 m=47
